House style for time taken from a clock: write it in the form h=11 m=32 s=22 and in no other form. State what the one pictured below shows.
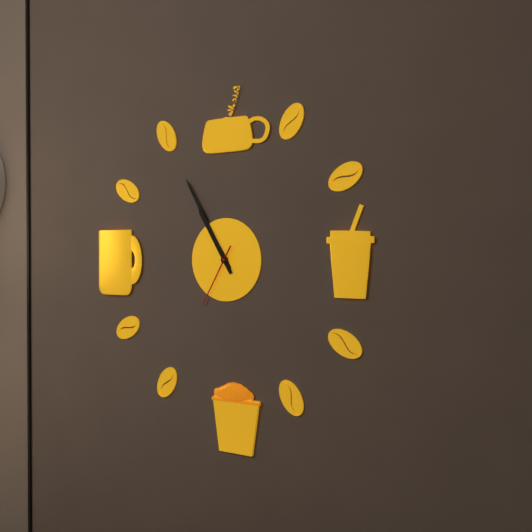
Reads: h=10 m=55 s=35
